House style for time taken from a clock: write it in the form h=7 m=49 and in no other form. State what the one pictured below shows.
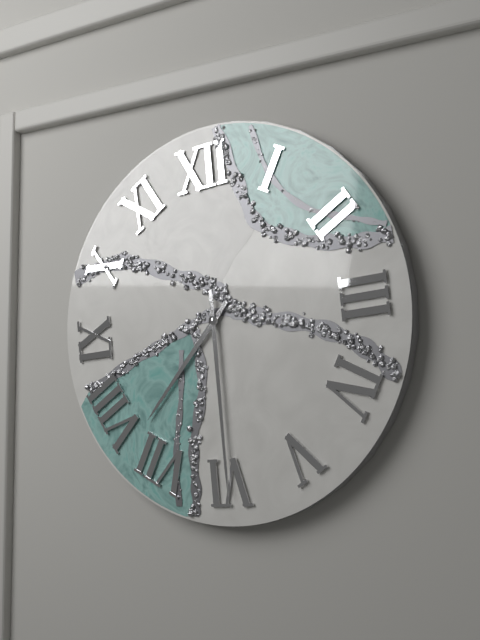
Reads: h=7 m=30
